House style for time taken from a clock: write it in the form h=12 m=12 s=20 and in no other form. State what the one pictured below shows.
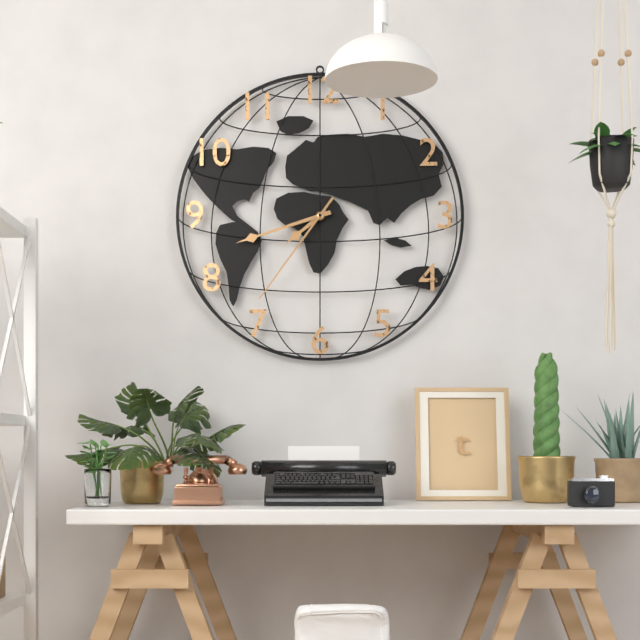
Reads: h=7 m=42 s=36
